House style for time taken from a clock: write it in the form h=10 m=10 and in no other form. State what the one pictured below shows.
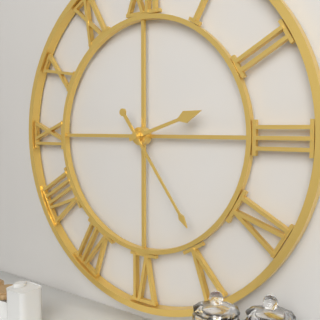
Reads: h=2 m=24
